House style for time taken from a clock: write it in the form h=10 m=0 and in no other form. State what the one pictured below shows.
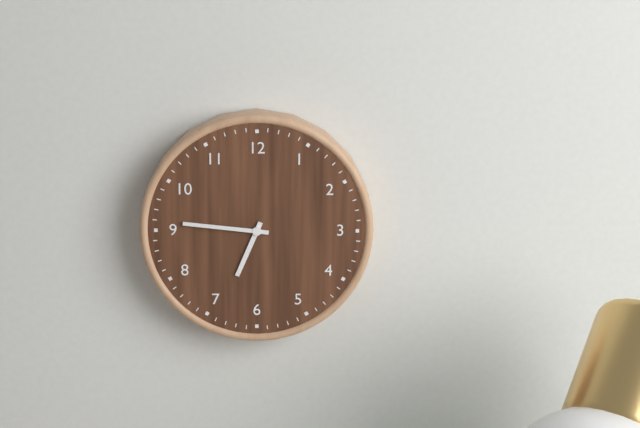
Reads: h=6 m=46
